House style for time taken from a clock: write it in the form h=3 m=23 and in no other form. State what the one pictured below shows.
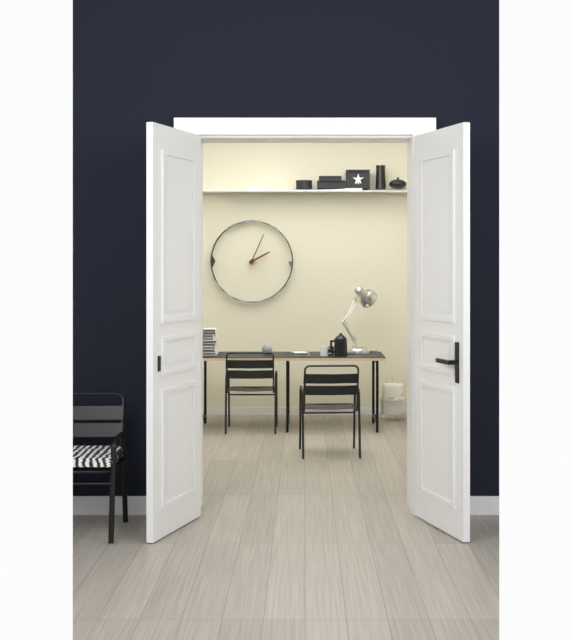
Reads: h=2 m=4
